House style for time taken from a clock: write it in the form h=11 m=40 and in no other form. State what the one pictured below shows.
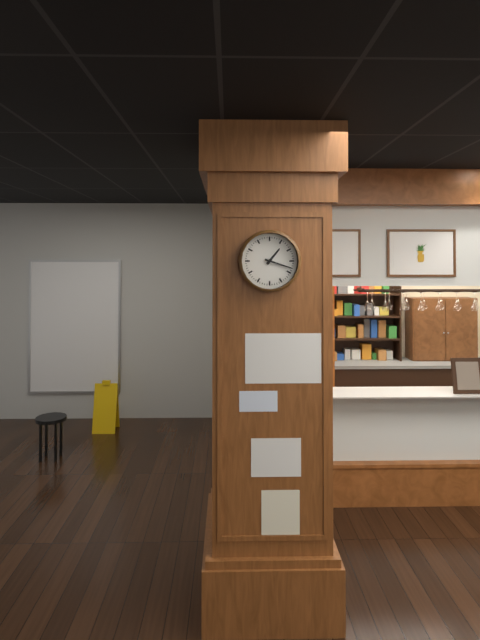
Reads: h=1 m=18
